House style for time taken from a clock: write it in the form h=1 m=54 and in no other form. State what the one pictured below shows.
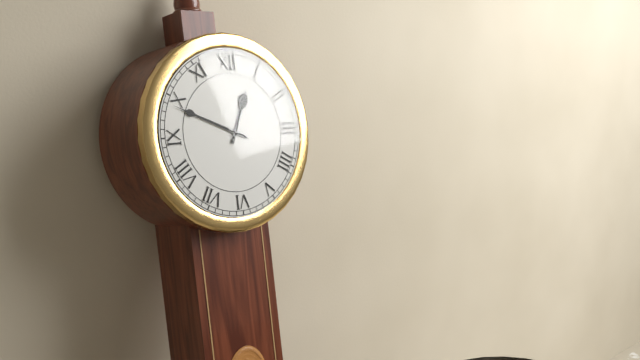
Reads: h=12 m=49
